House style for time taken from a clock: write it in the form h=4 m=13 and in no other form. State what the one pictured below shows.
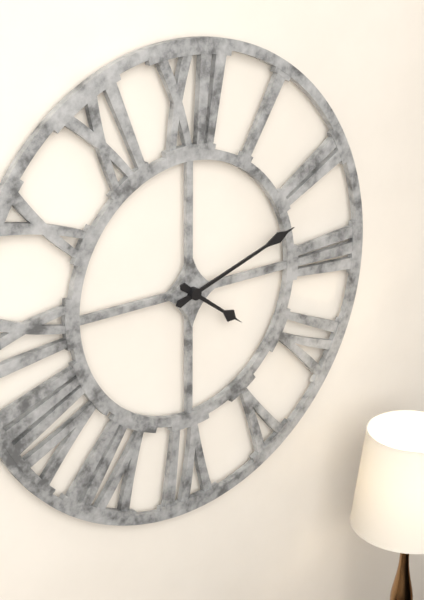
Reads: h=4 m=12
